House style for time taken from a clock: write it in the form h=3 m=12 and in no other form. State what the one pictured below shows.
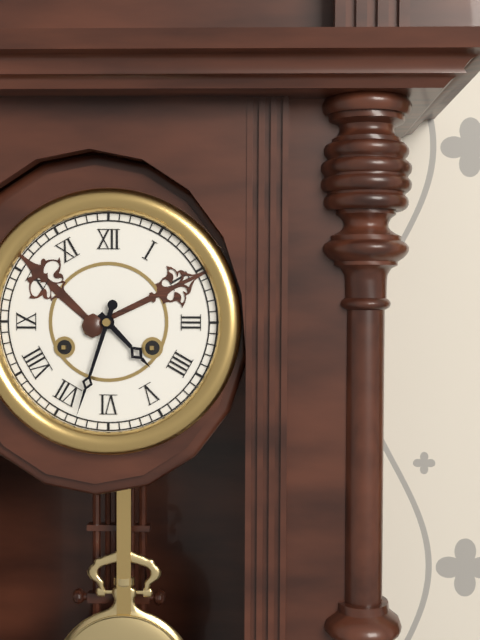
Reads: h=4 m=33
